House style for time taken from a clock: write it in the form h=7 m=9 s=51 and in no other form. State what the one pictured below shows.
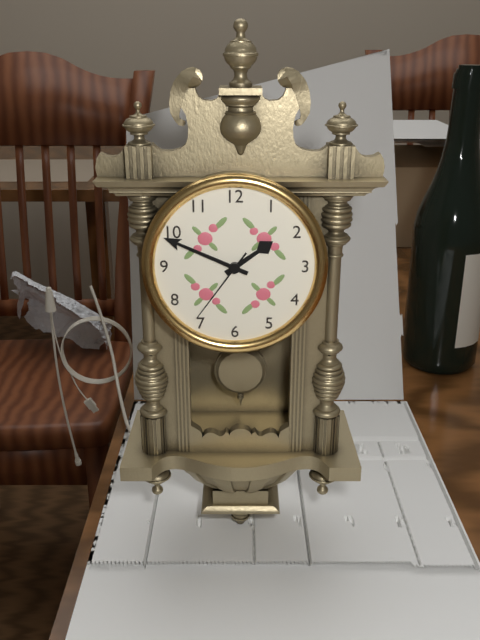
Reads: h=1 m=49 s=36
